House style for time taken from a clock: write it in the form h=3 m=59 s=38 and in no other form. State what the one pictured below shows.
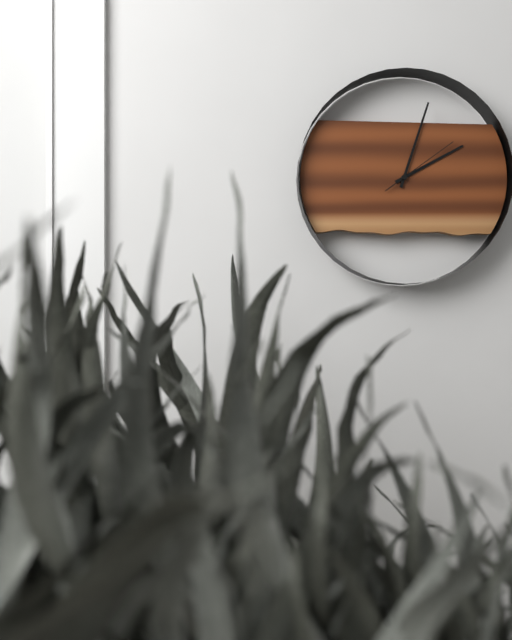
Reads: h=2 m=3 s=9
